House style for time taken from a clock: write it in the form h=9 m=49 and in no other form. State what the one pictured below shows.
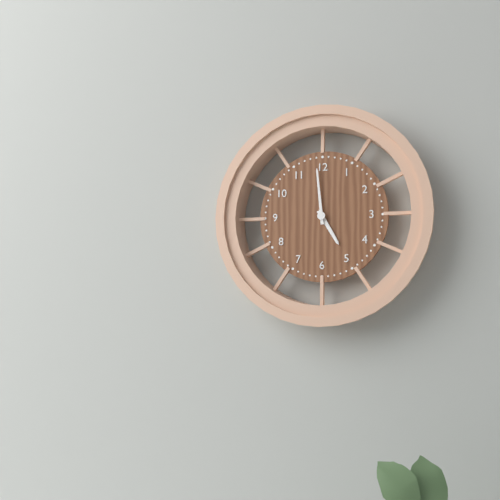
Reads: h=4 m=59
